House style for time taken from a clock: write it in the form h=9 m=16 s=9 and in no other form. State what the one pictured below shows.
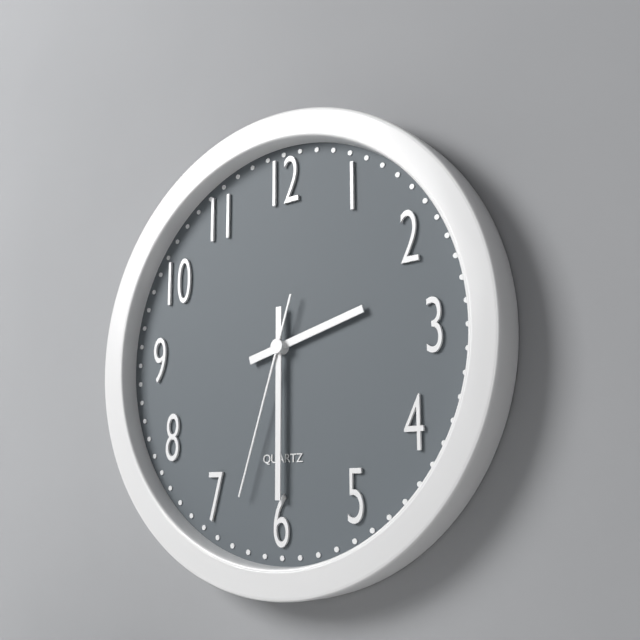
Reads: h=2 m=30 s=33
